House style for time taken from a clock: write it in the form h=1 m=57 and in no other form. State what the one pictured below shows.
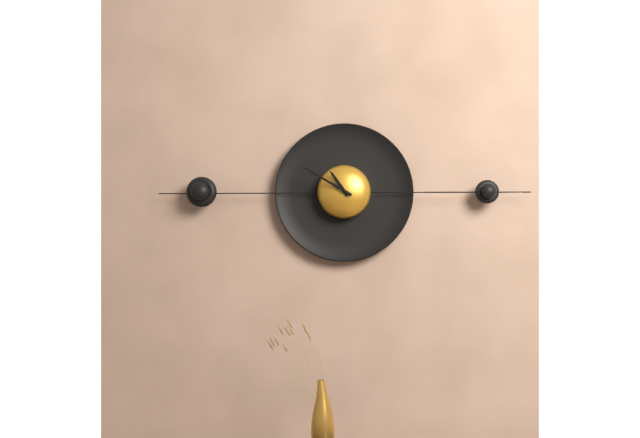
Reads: h=10 m=50
